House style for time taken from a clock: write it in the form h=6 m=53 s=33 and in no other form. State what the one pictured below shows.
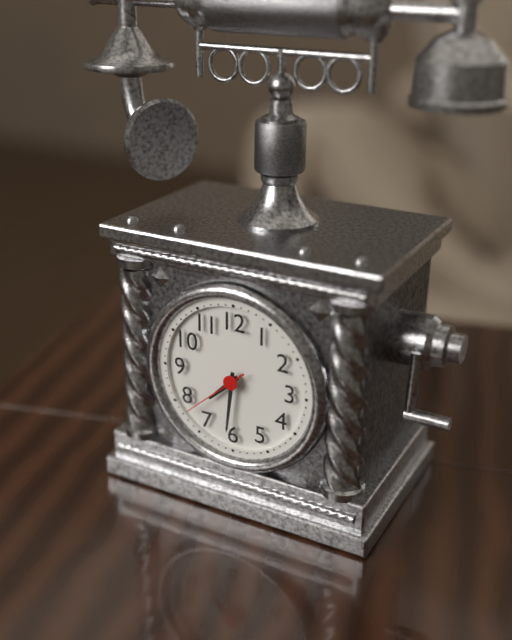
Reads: h=7 m=31 s=38
